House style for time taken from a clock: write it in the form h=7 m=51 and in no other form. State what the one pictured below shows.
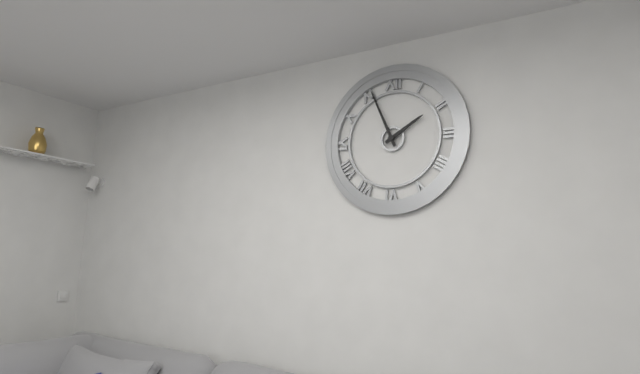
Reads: h=1 m=56
